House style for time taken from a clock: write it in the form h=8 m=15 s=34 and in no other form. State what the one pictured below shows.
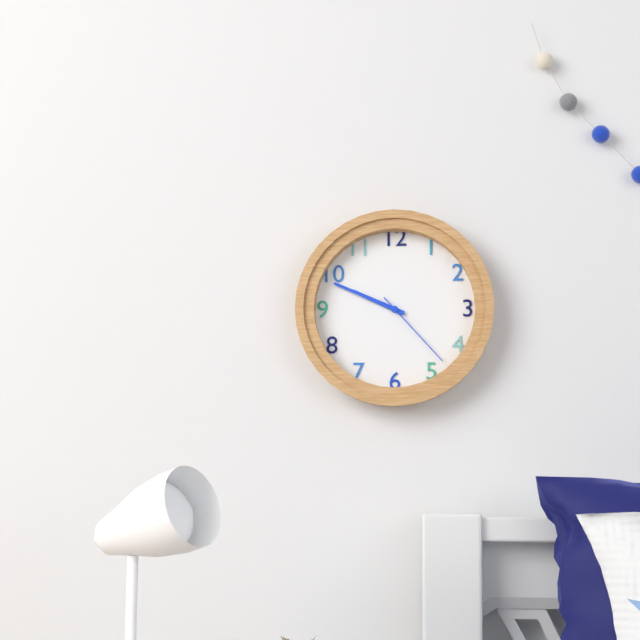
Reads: h=9 m=49 s=23
